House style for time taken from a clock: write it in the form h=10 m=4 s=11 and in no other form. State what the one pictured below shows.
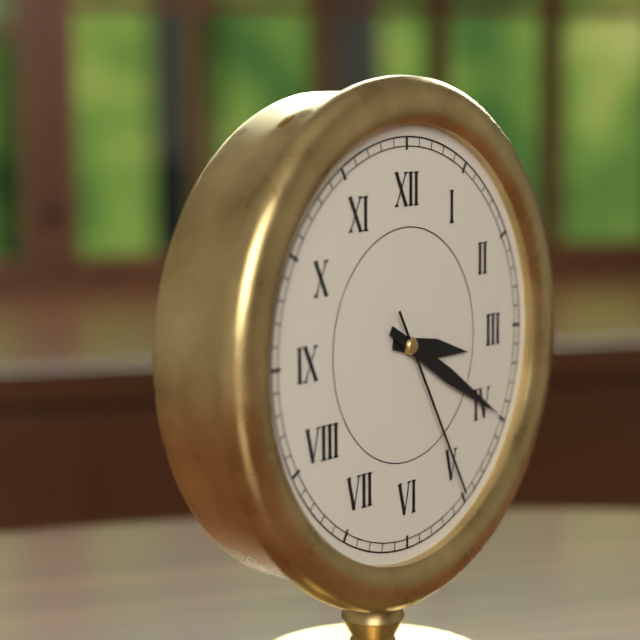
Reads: h=3 m=20 s=25
